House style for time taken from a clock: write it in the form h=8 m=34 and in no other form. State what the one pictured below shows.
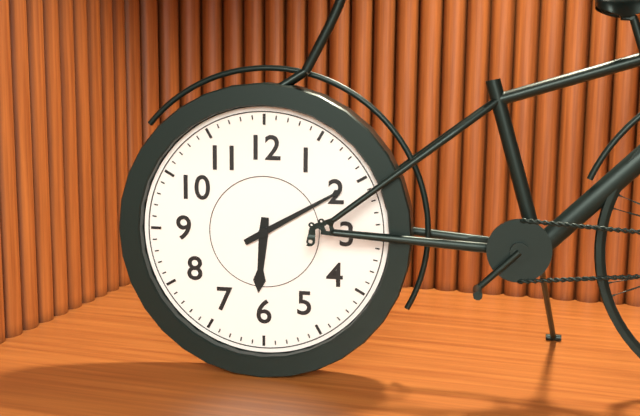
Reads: h=6 m=10
